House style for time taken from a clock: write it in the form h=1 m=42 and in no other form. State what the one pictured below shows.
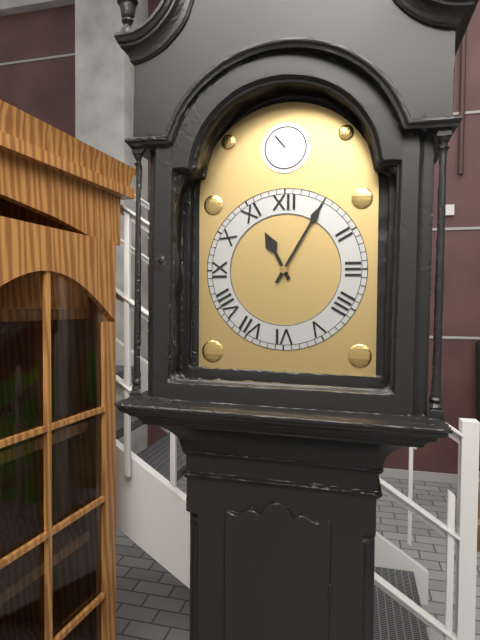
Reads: h=11 m=5
